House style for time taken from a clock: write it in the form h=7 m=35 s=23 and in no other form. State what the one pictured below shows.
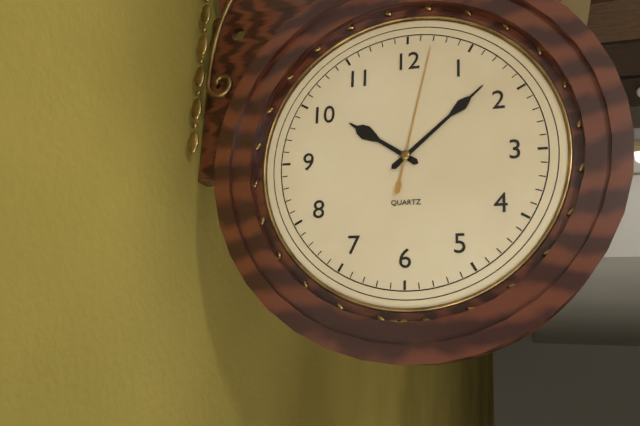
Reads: h=10 m=8 s=2
